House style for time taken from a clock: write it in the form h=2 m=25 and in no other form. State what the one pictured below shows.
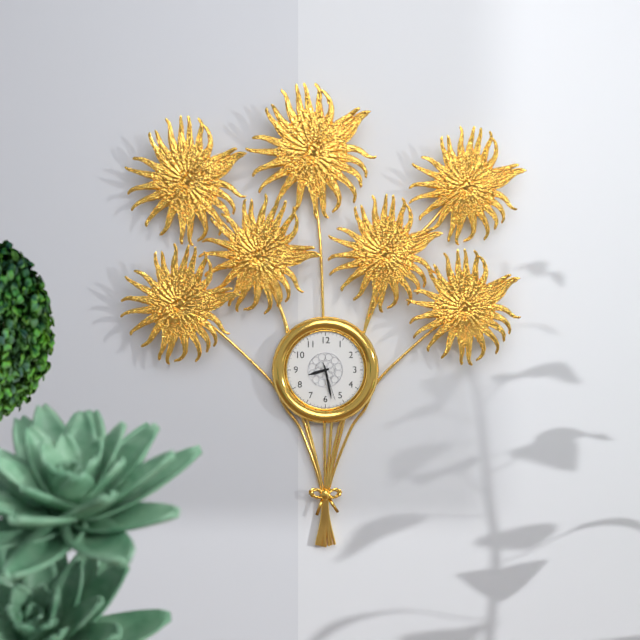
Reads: h=8 m=28
